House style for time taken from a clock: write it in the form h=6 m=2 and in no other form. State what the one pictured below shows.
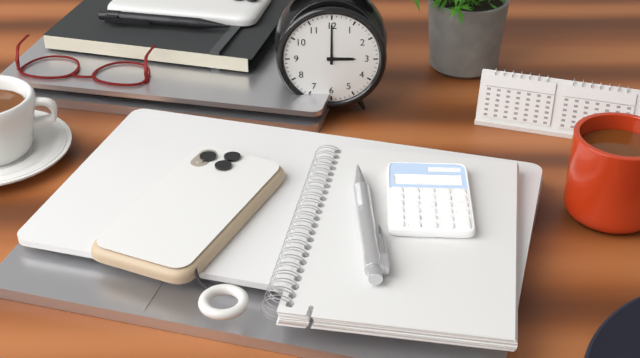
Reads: h=3 m=0
